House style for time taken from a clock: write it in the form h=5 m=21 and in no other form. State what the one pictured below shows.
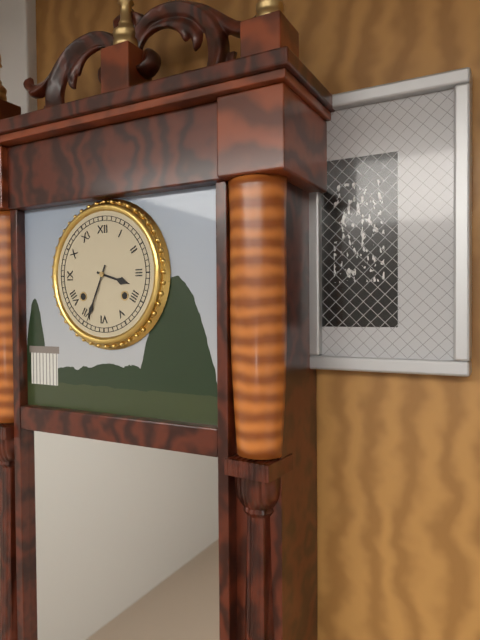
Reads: h=3 m=34
